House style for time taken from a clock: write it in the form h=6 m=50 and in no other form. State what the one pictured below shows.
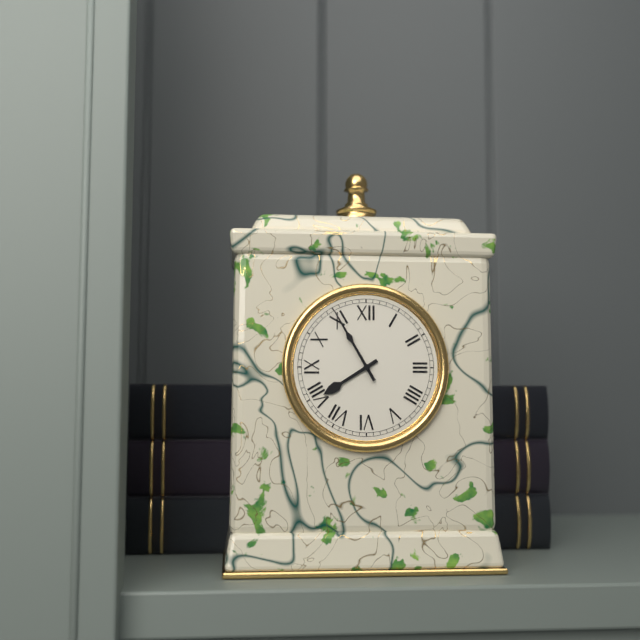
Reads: h=7 m=55
